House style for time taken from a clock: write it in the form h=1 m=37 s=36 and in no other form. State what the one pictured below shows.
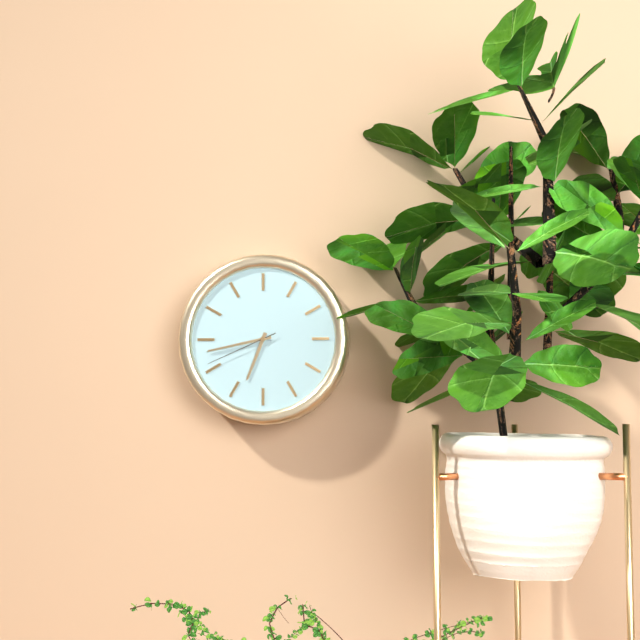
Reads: h=6 m=43 s=41
